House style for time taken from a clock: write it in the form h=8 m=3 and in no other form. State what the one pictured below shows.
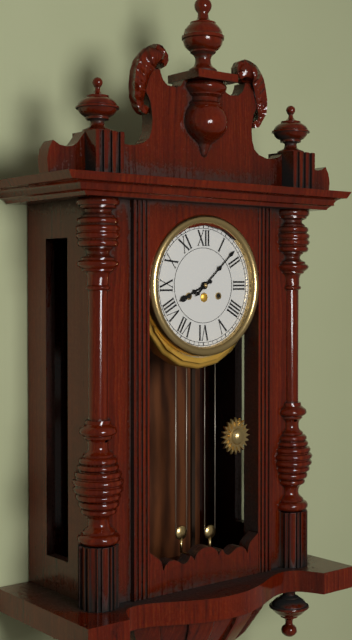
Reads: h=8 m=8
